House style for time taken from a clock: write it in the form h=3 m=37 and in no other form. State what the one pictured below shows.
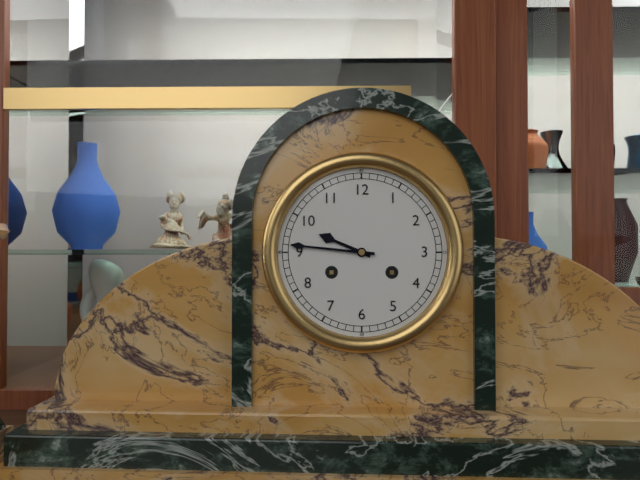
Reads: h=9 m=46
